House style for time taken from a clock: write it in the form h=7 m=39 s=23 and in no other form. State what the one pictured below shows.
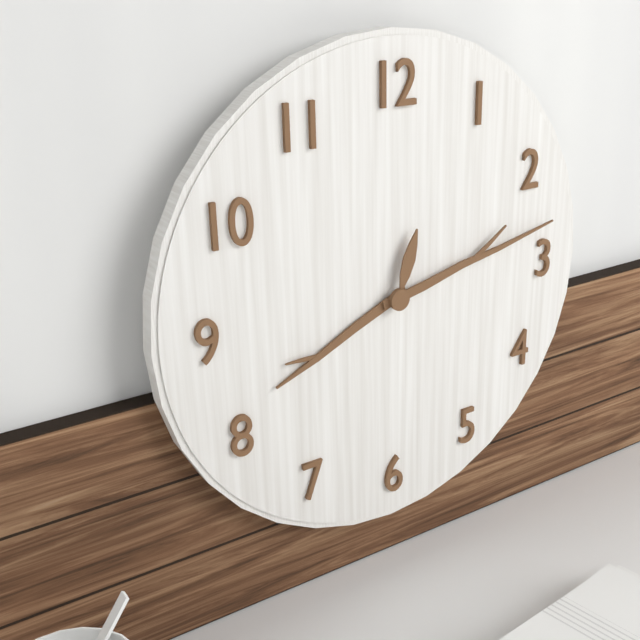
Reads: h=8 m=13 s=3
